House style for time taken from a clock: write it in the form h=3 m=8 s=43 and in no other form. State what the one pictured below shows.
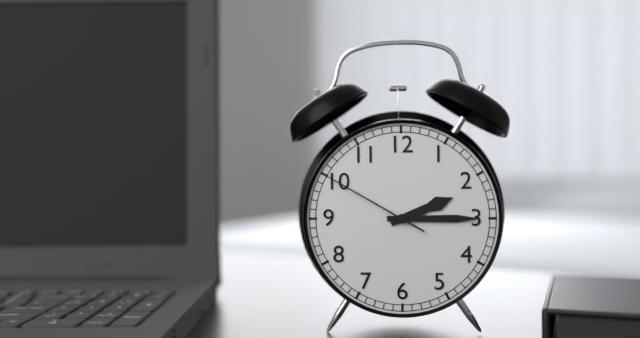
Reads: h=2 m=15 s=50
